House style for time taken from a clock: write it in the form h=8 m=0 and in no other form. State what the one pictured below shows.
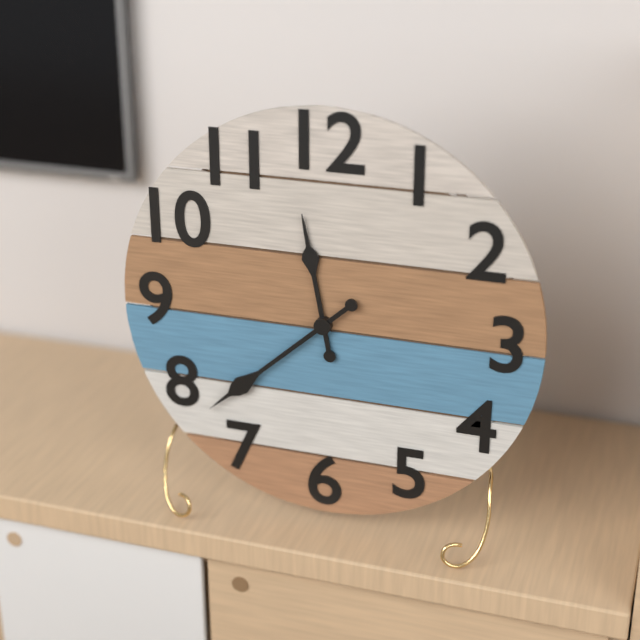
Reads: h=11 m=38
